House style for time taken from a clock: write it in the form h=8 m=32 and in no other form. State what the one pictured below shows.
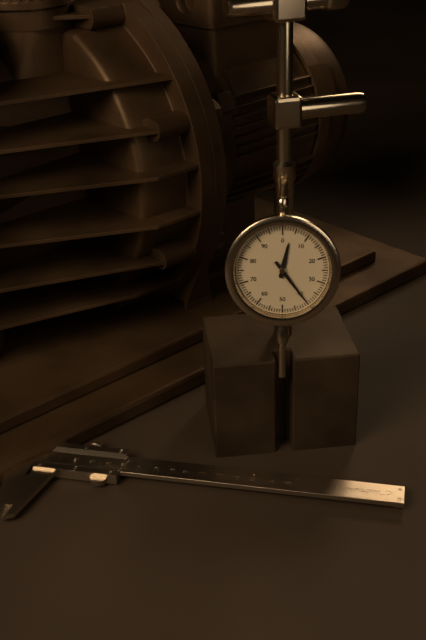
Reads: h=12 m=24
